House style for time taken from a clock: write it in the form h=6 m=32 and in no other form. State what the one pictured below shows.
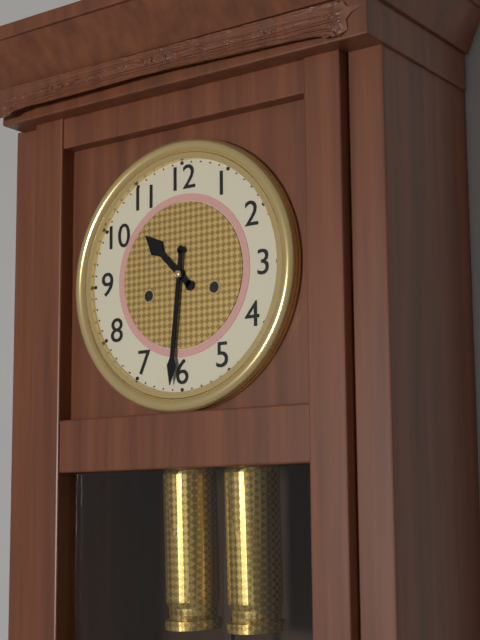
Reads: h=10 m=31
